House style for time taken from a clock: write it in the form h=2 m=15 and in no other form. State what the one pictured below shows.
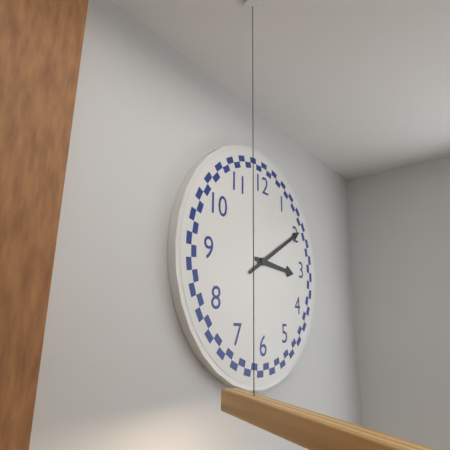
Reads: h=3 m=10
